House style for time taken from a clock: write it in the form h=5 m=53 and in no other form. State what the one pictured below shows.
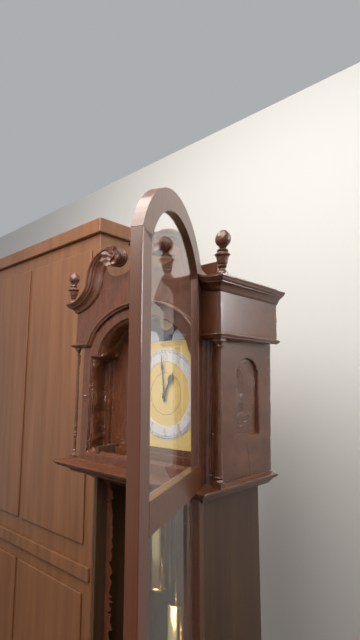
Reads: h=12 m=59
